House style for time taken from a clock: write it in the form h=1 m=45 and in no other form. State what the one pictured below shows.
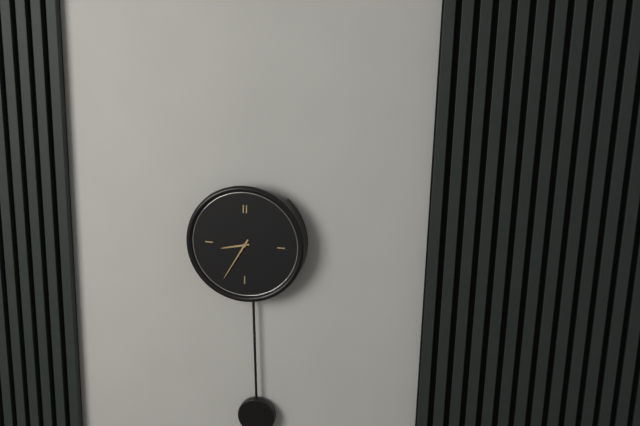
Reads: h=8 m=35
